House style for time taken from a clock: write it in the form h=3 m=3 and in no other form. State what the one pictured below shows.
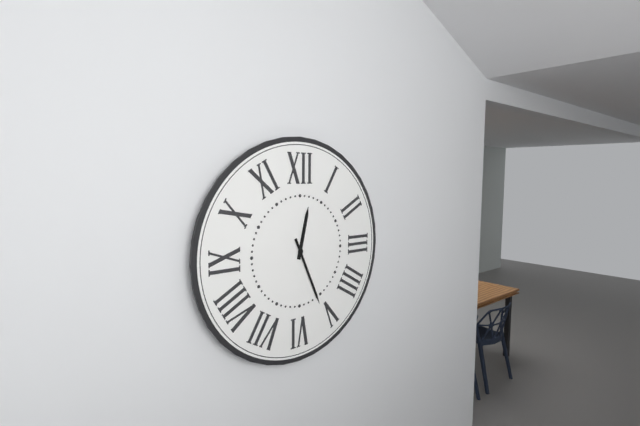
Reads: h=12 m=26
